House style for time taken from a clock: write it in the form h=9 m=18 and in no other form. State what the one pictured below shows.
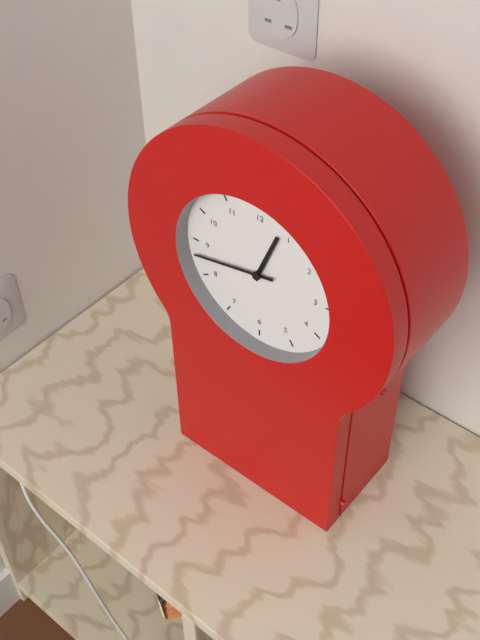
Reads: h=12 m=43
